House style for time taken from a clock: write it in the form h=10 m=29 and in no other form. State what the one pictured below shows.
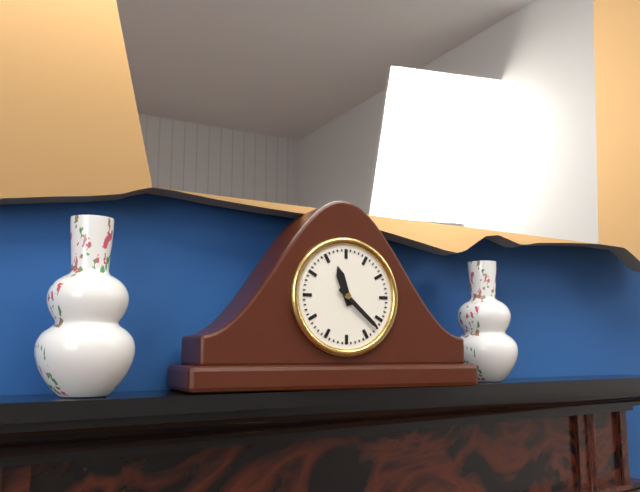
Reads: h=11 m=22
